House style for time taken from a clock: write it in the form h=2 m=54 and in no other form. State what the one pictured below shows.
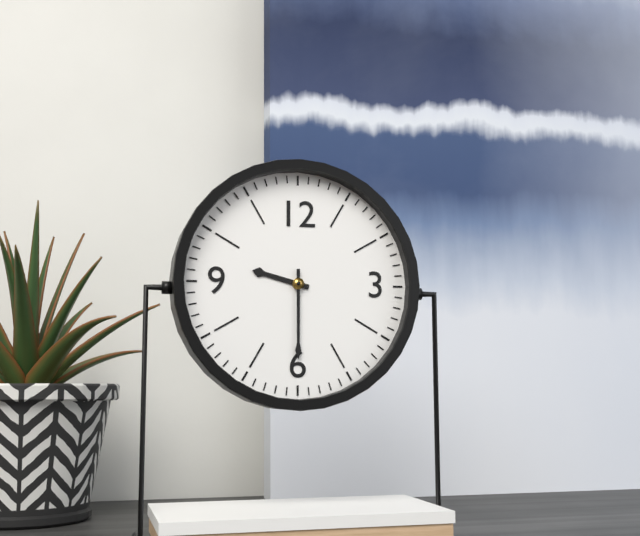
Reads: h=9 m=30
